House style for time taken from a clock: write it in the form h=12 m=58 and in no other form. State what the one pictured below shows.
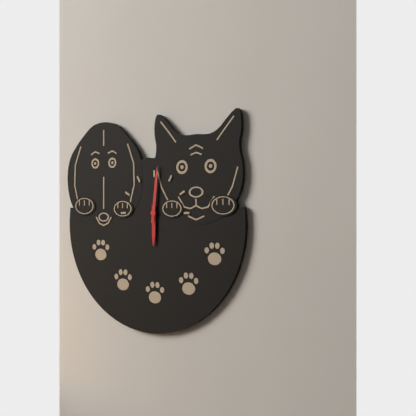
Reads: h=6 m=1
